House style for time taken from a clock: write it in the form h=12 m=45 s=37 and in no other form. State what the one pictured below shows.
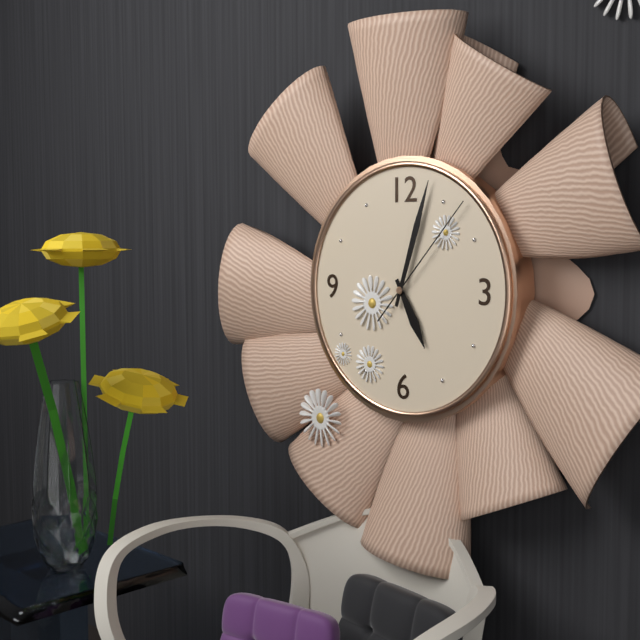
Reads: h=5 m=3 s=7
